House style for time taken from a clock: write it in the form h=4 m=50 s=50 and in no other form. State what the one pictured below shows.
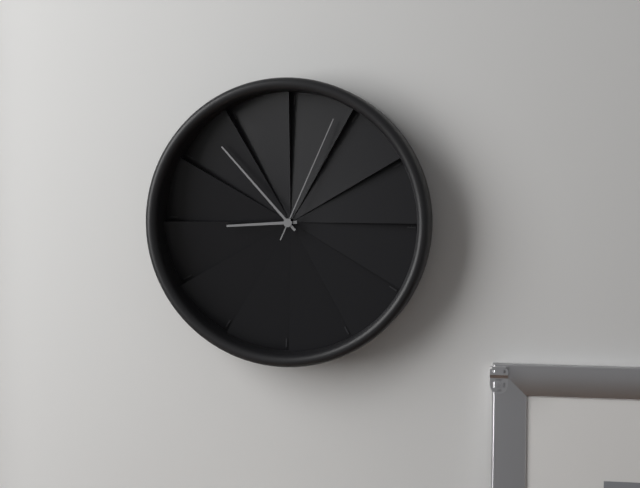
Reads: h=8 m=53 s=4
